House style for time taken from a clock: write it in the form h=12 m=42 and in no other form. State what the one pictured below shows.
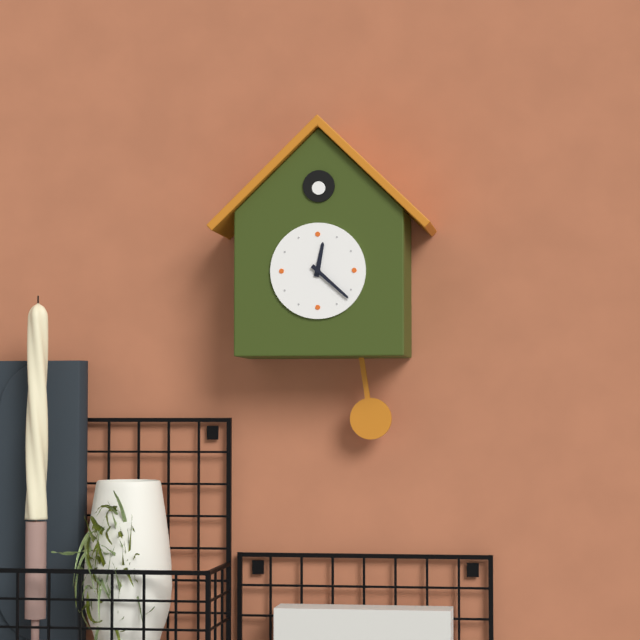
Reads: h=12 m=22
